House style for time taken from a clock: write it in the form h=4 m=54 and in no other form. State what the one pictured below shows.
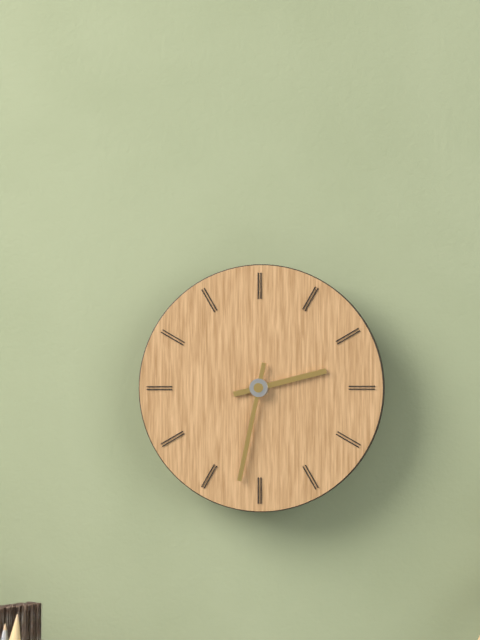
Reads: h=2 m=32
